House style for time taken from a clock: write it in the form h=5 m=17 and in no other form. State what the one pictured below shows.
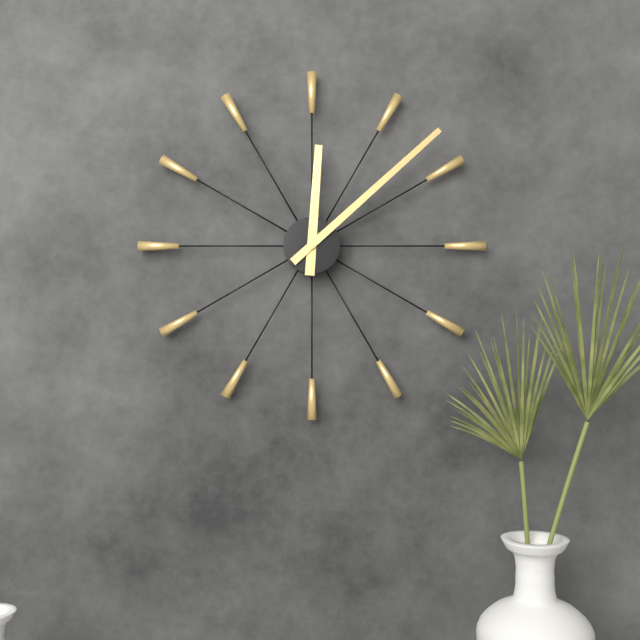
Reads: h=12 m=8
